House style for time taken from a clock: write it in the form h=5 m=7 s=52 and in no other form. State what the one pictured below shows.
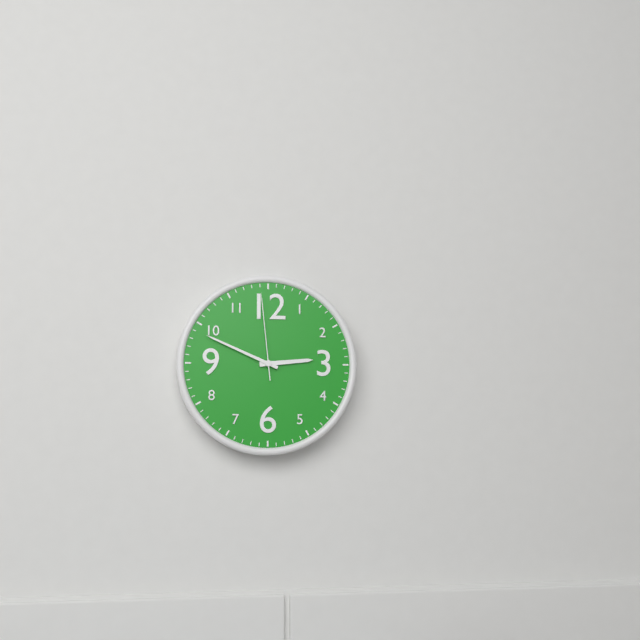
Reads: h=2 m=49 s=59
